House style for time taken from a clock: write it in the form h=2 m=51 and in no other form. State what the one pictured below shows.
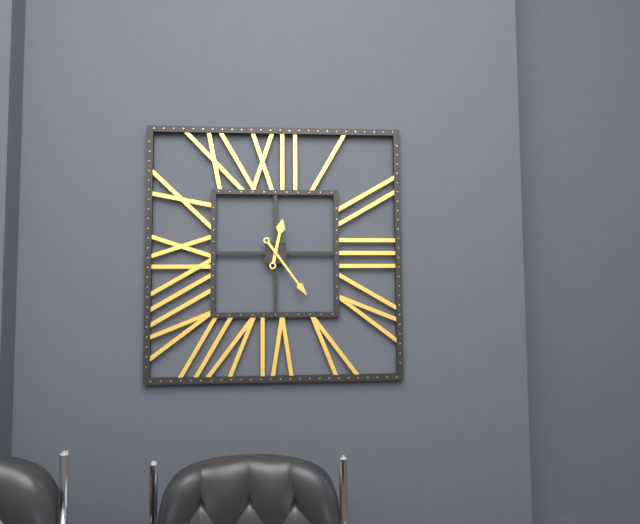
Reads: h=12 m=24
